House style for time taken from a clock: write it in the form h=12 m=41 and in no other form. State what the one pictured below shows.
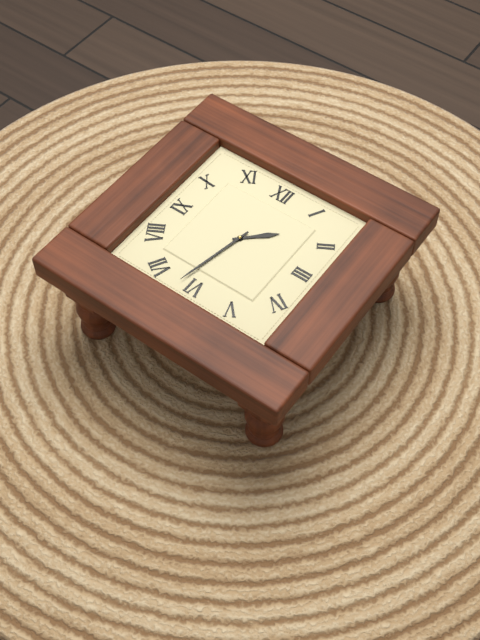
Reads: h=1 m=32
